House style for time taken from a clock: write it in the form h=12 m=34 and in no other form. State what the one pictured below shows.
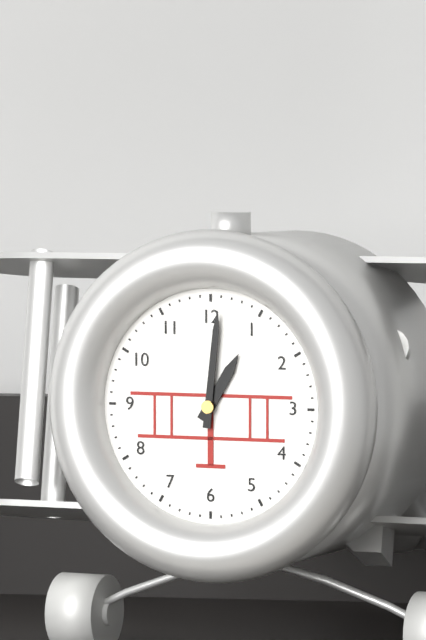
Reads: h=1 m=1
